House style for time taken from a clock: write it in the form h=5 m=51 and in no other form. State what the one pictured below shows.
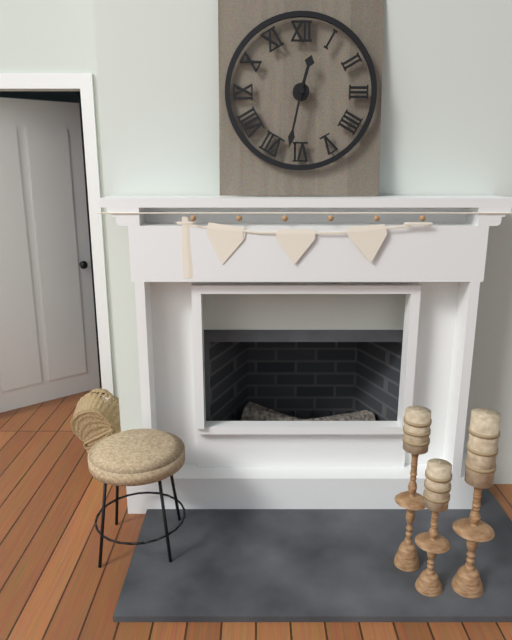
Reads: h=12 m=32
